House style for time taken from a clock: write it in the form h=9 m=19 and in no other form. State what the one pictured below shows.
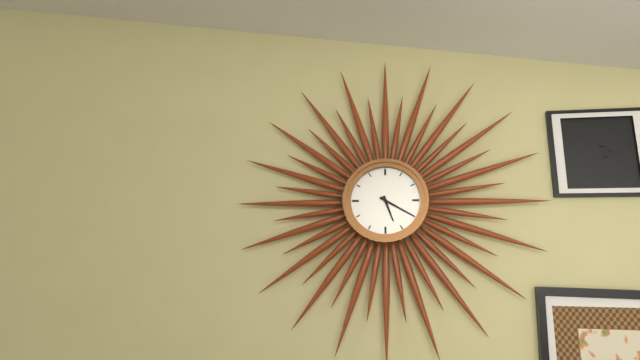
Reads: h=5 m=20
